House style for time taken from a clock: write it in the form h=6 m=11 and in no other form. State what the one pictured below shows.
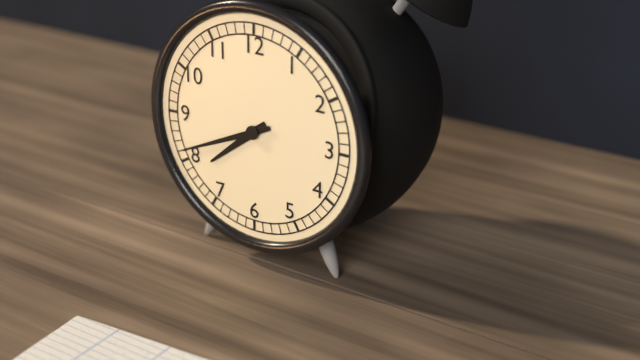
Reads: h=7 m=41
